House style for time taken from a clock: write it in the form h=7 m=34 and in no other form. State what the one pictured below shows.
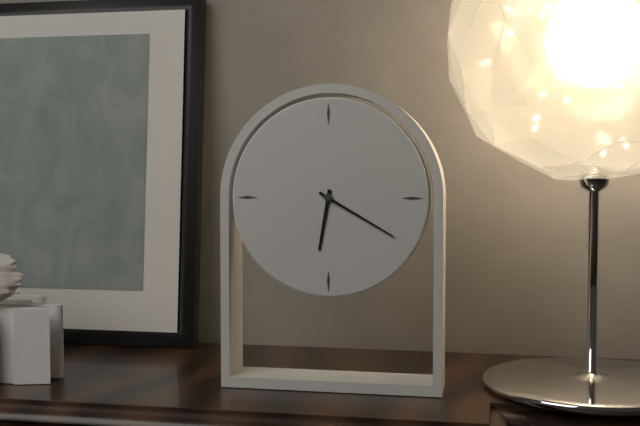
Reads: h=6 m=20
